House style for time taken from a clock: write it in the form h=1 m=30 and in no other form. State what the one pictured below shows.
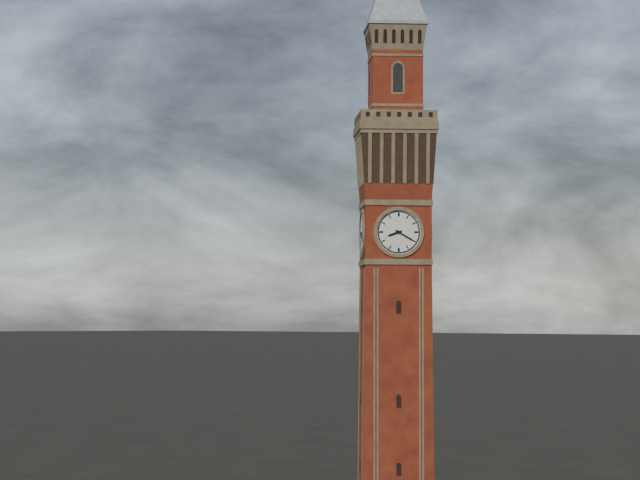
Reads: h=8 m=20
